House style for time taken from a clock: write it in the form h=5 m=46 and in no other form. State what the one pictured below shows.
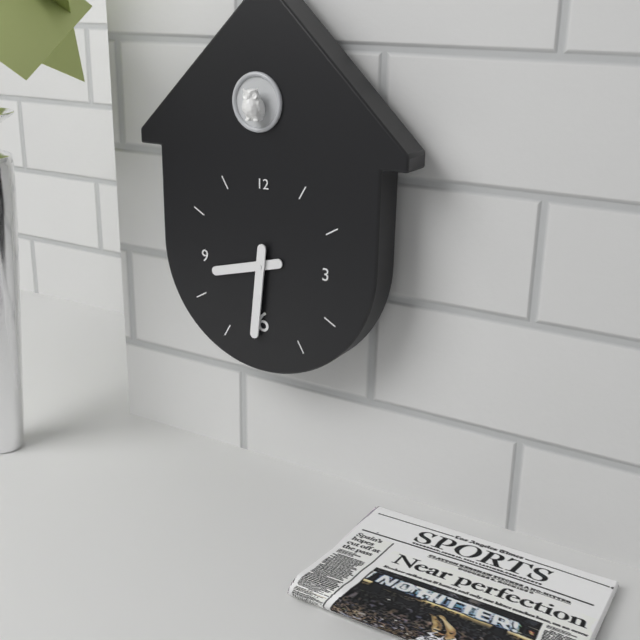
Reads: h=8 m=31
